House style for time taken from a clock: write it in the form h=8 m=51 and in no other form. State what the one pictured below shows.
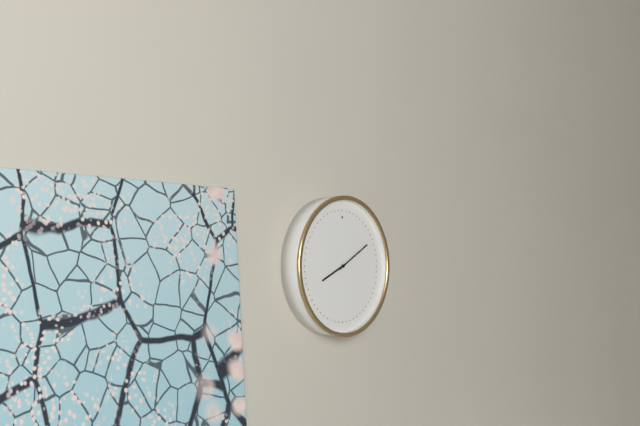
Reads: h=8 m=10
